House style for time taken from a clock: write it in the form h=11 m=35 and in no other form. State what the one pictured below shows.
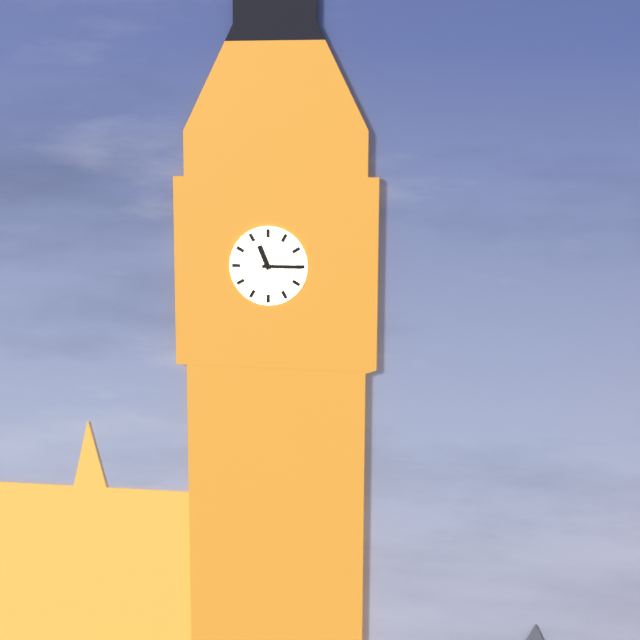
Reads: h=11 m=15
